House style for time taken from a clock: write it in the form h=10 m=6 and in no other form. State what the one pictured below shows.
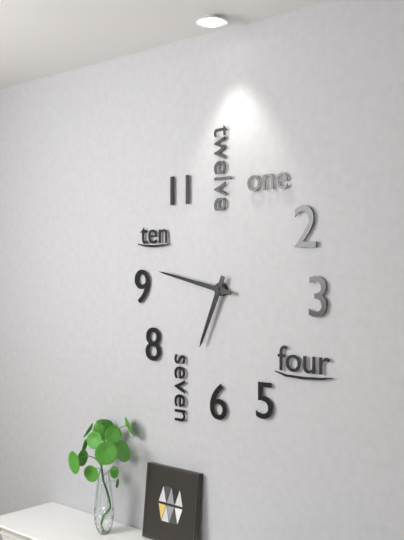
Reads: h=6 m=47
